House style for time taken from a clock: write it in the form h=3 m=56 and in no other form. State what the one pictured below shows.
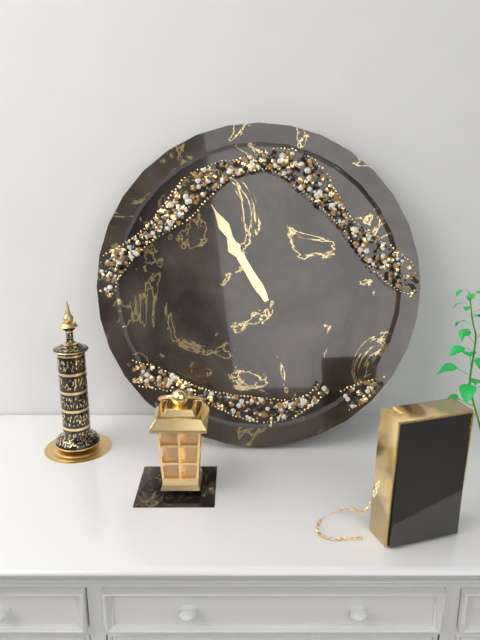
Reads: h=10 m=55
